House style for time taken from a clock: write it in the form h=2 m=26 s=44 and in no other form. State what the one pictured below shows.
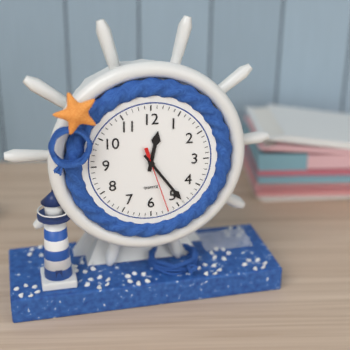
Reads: h=12 m=24 s=27
